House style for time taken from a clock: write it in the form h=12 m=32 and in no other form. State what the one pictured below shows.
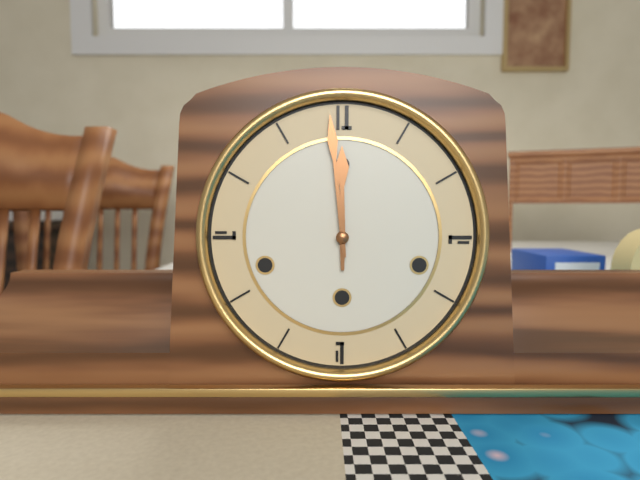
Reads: h=11 m=59
